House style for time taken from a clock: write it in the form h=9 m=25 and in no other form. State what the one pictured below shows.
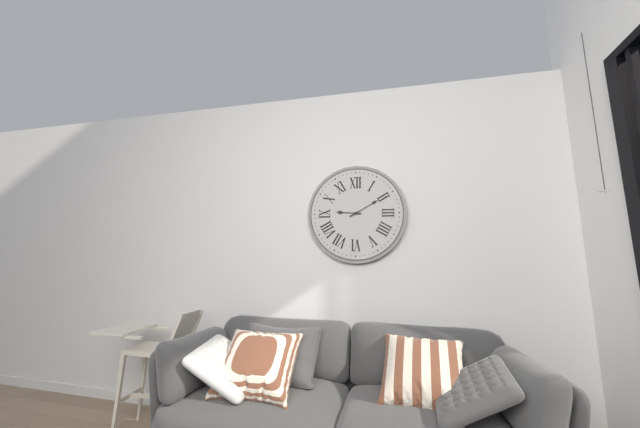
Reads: h=9 m=10
